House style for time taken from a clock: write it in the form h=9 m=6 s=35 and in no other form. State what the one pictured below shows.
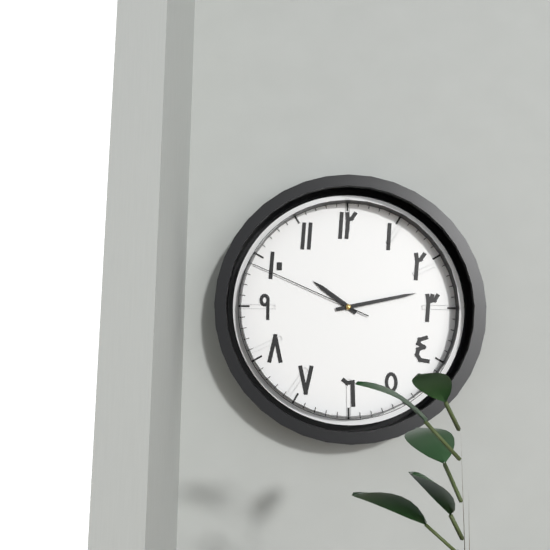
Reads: h=10 m=13 s=49
